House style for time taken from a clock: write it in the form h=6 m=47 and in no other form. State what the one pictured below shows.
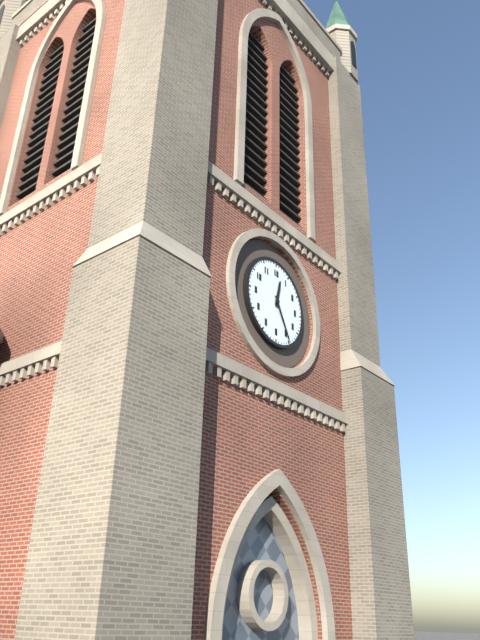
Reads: h=12 m=25
